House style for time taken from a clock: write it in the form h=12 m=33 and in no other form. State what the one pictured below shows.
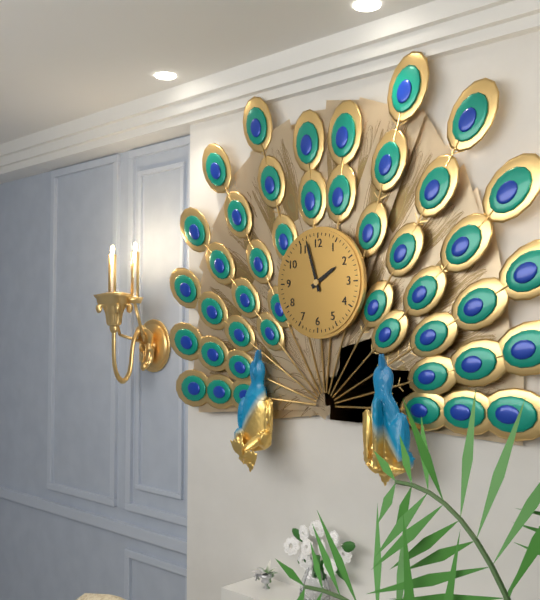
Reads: h=1 m=57
